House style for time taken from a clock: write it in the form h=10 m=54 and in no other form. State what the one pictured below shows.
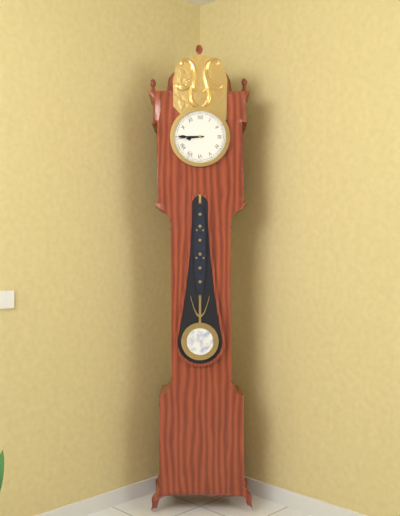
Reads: h=8 m=45
